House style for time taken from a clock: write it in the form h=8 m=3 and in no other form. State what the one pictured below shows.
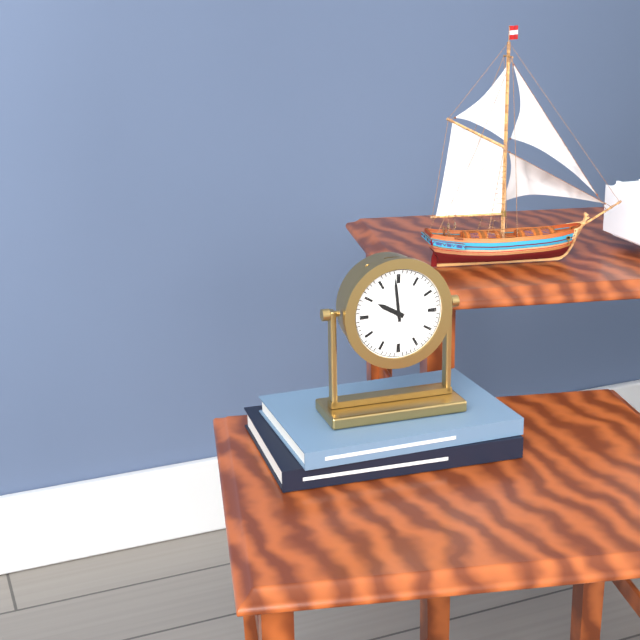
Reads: h=9 m=59
